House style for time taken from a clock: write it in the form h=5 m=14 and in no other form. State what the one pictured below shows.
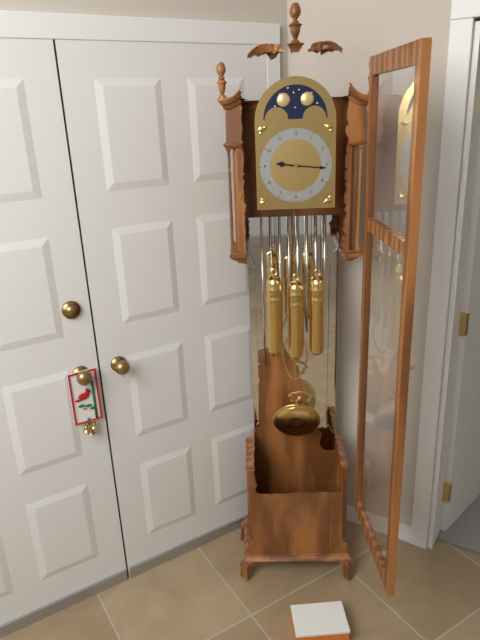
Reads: h=9 m=16
